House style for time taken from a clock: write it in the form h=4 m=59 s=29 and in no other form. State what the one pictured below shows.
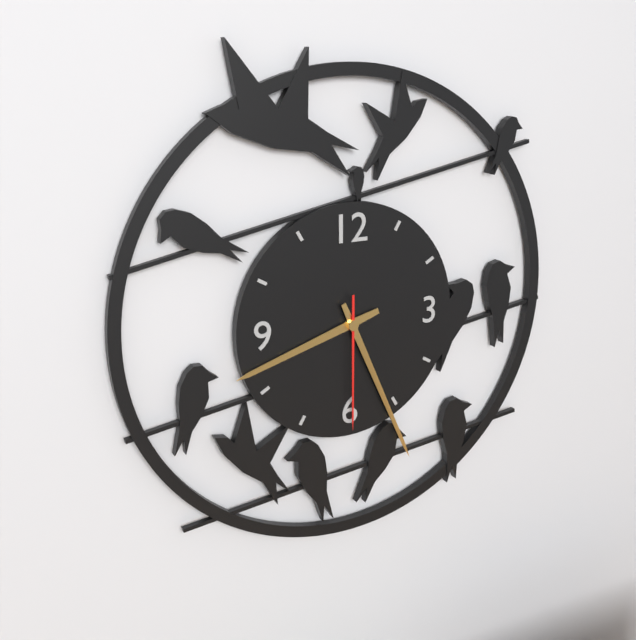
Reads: h=8 m=26 s=30
